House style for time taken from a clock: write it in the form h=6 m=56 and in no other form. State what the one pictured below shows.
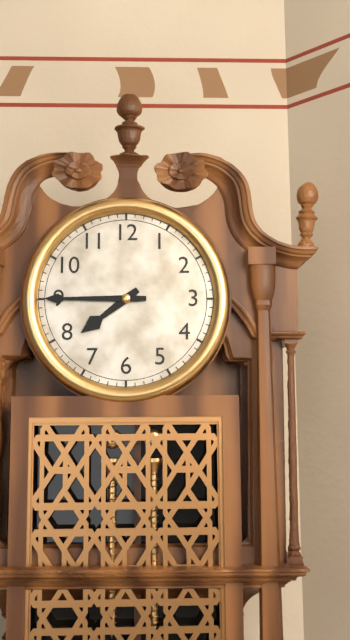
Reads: h=7 m=45
